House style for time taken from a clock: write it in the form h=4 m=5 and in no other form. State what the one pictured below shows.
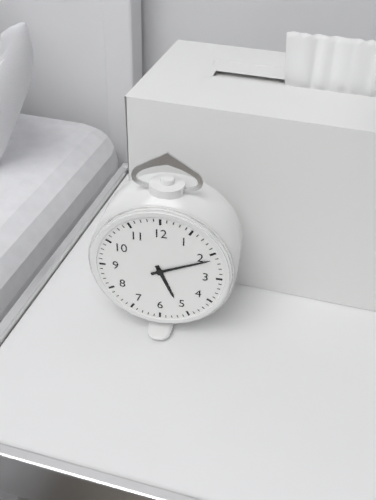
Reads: h=5 m=11
